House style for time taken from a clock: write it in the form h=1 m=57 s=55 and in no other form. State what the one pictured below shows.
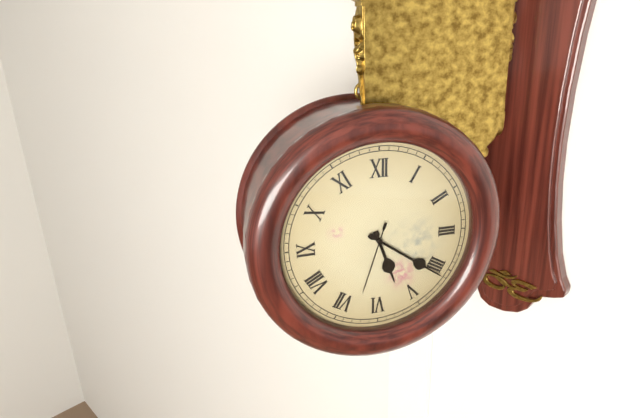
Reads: h=5 m=21 s=33
